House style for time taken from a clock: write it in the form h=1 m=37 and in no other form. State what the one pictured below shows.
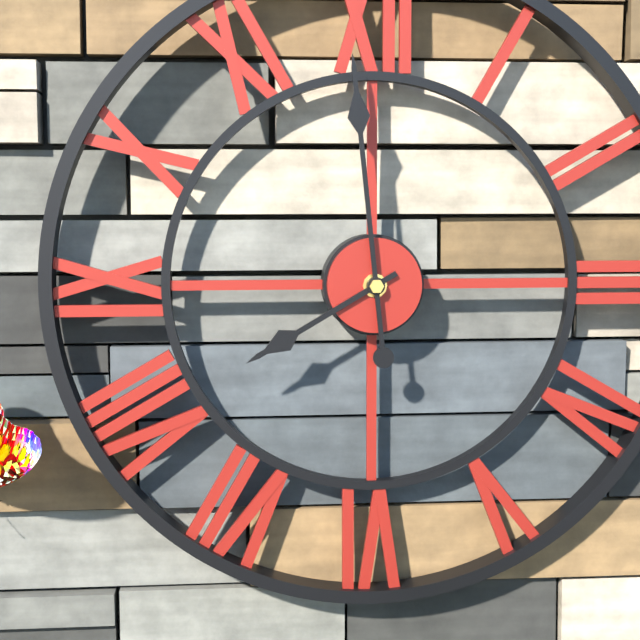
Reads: h=7 m=59
